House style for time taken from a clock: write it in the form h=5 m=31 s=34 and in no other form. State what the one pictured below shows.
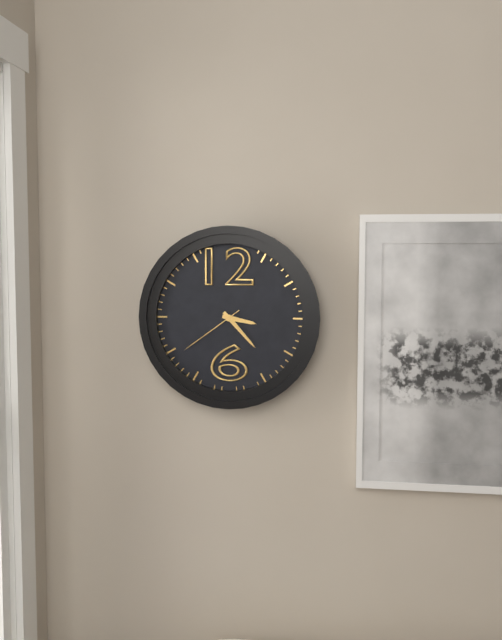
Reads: h=3 m=23 s=39
